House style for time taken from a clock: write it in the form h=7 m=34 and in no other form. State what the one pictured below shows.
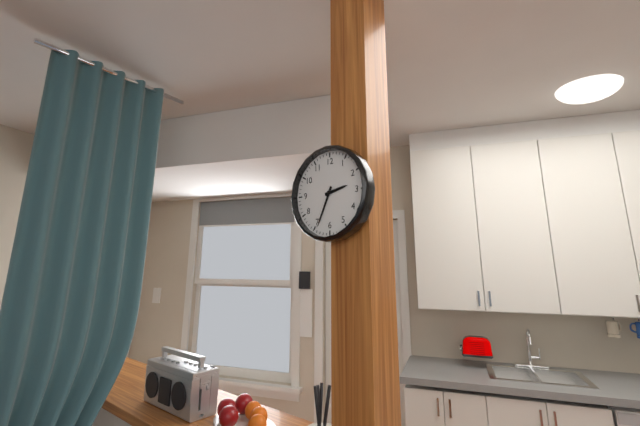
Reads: h=2 m=34
